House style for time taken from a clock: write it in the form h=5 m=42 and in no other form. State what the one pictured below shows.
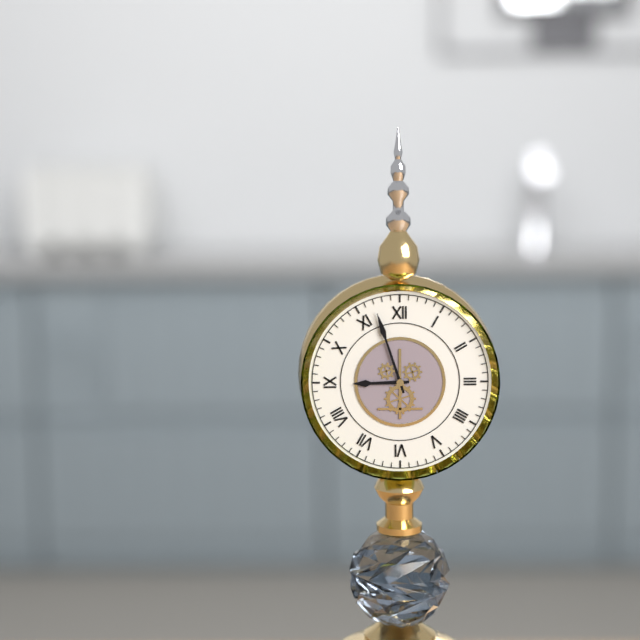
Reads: h=8 m=57
